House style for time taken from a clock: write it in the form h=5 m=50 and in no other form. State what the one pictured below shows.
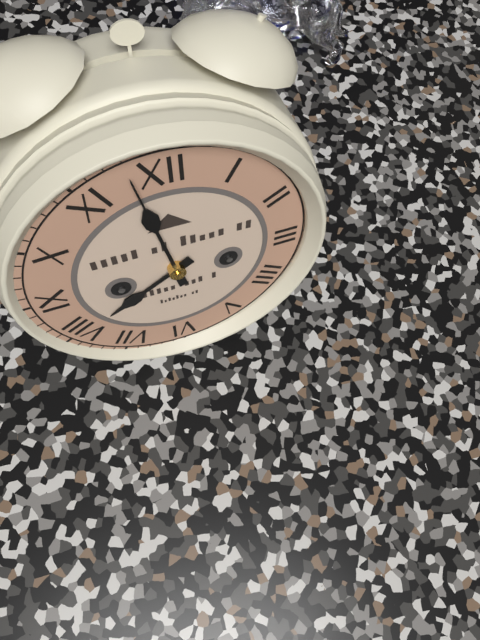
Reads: h=7 m=58
